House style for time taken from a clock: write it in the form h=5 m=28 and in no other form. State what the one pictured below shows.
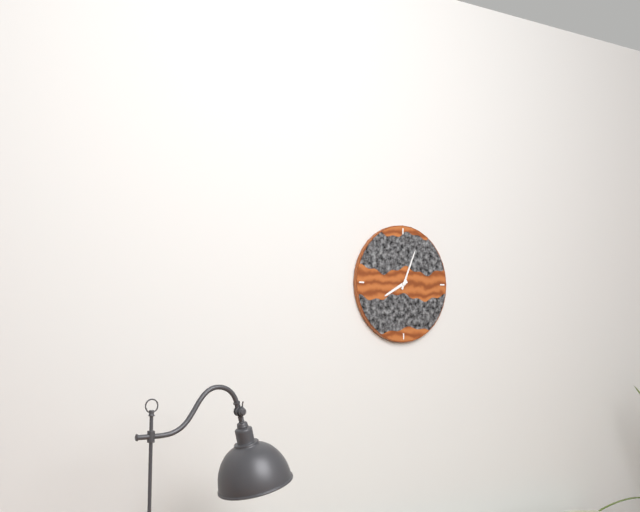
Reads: h=8 m=4
